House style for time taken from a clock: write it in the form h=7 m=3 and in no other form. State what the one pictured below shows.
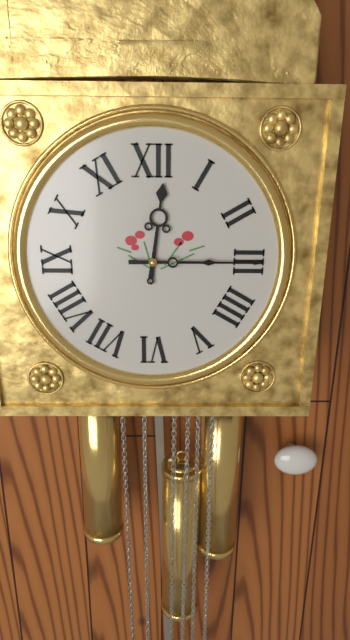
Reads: h=12 m=15
